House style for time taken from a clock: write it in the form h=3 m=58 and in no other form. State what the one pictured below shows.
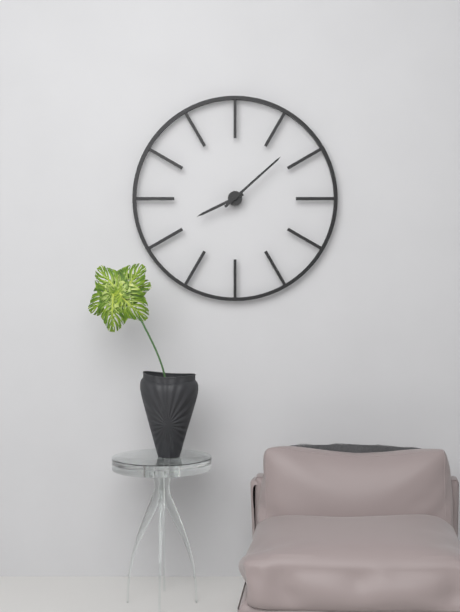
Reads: h=8 m=8
